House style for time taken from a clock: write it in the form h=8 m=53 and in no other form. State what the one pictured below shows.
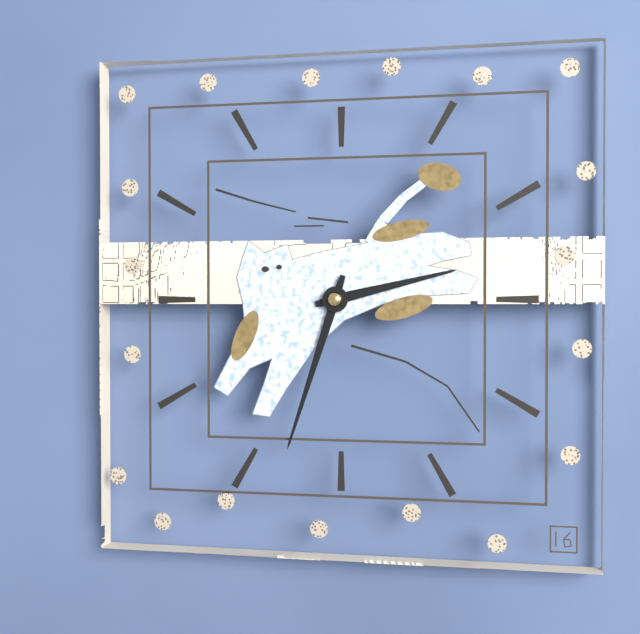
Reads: h=2 m=33
